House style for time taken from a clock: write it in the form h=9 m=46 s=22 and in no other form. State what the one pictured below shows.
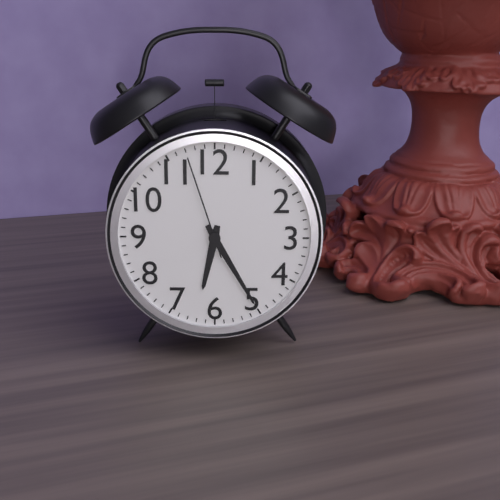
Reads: h=6 m=25 s=57
